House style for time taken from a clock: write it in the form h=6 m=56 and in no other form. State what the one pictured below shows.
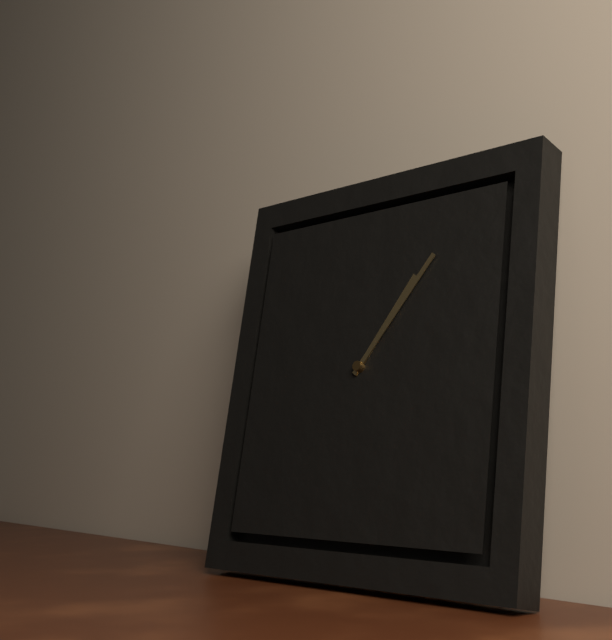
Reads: h=1 m=6
